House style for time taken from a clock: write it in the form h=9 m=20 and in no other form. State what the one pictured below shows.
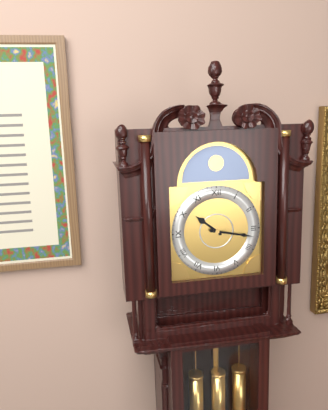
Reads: h=10 m=17
